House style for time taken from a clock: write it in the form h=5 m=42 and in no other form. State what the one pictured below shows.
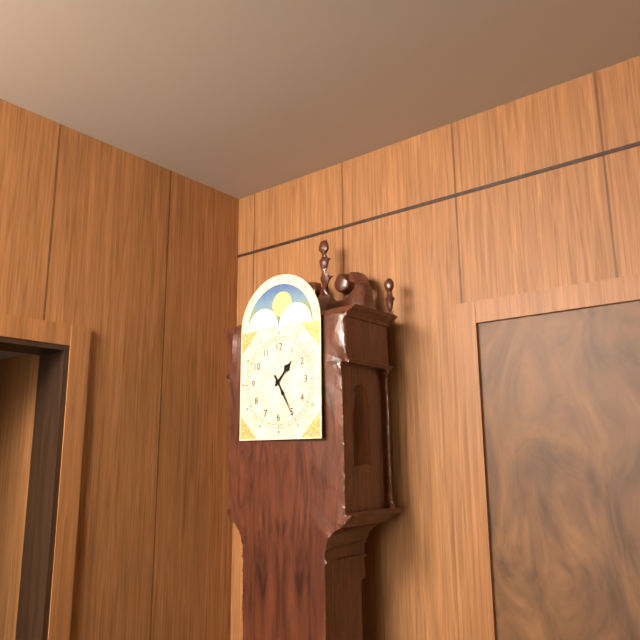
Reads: h=1 m=25
